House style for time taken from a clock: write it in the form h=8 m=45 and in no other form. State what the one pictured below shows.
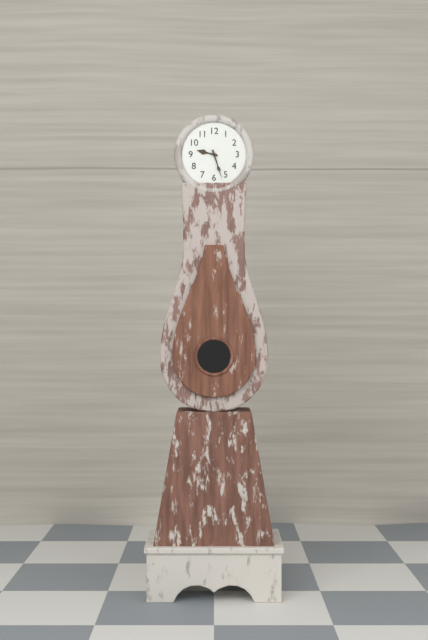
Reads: h=9 m=27
